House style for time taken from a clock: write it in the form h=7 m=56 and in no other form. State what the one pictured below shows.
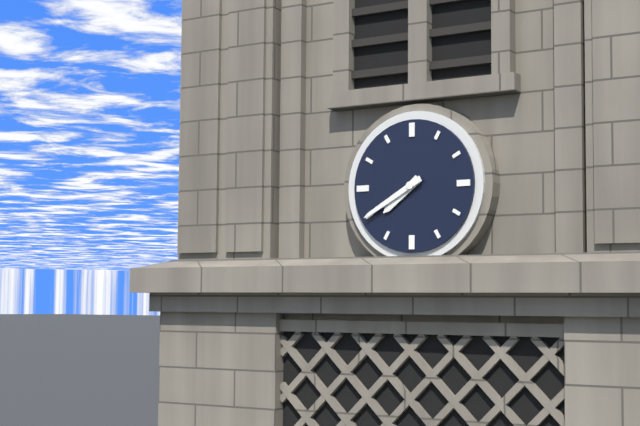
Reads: h=7 m=40
